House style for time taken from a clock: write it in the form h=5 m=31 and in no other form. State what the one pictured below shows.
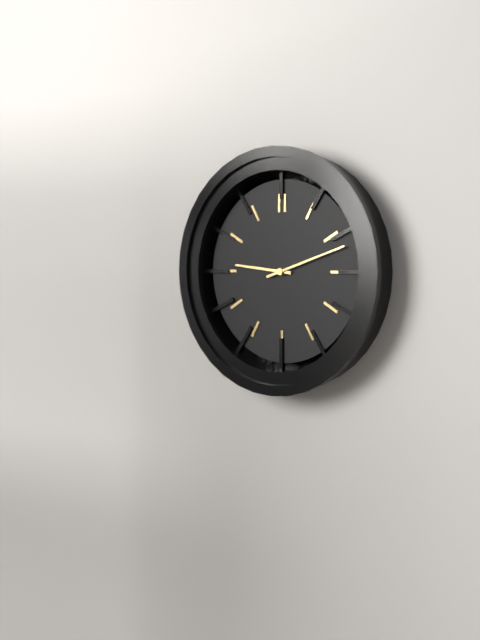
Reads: h=9 m=12
